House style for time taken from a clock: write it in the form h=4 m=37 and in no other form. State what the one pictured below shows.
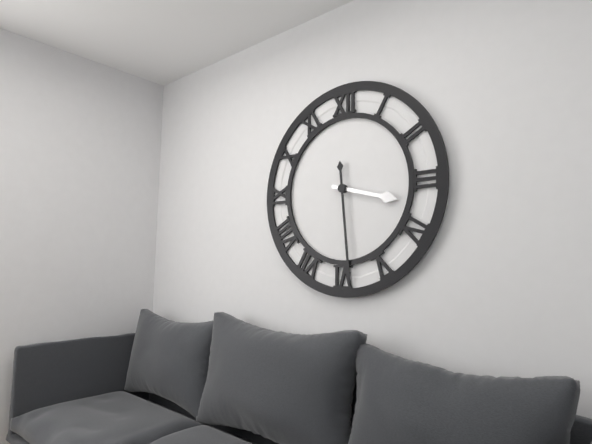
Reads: h=3 m=29
